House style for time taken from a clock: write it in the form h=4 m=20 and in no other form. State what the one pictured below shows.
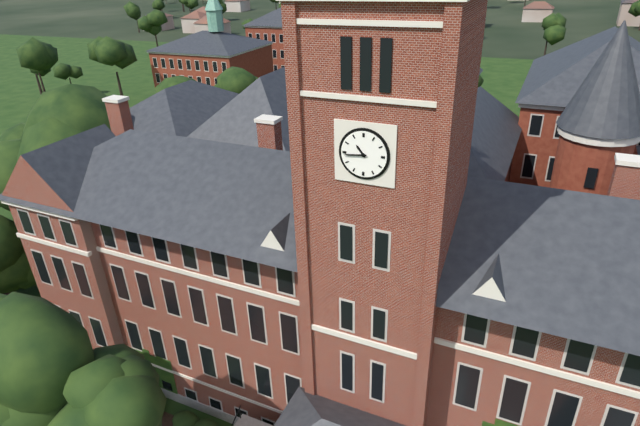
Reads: h=10 m=44
